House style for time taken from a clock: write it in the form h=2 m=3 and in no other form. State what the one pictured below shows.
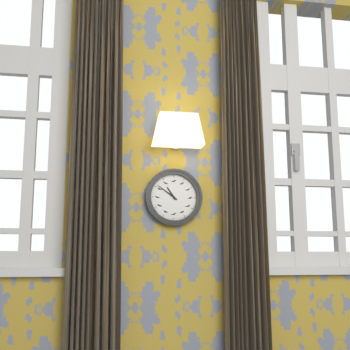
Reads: h=10 m=51
